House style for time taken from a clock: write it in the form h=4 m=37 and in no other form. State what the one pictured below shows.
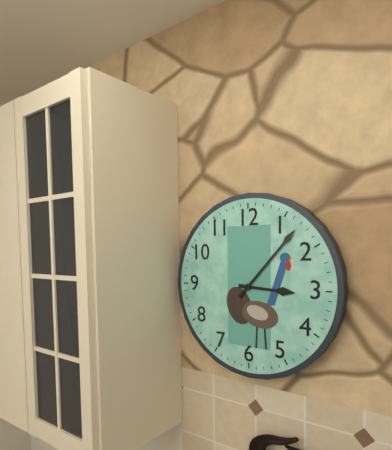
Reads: h=3 m=7
